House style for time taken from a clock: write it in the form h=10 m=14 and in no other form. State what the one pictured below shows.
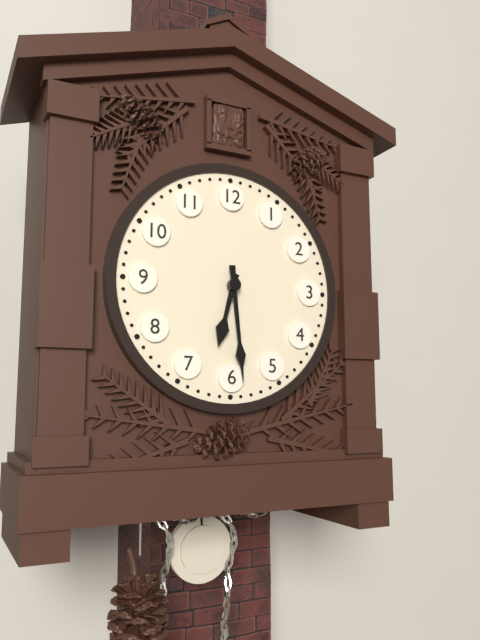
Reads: h=6 m=29
